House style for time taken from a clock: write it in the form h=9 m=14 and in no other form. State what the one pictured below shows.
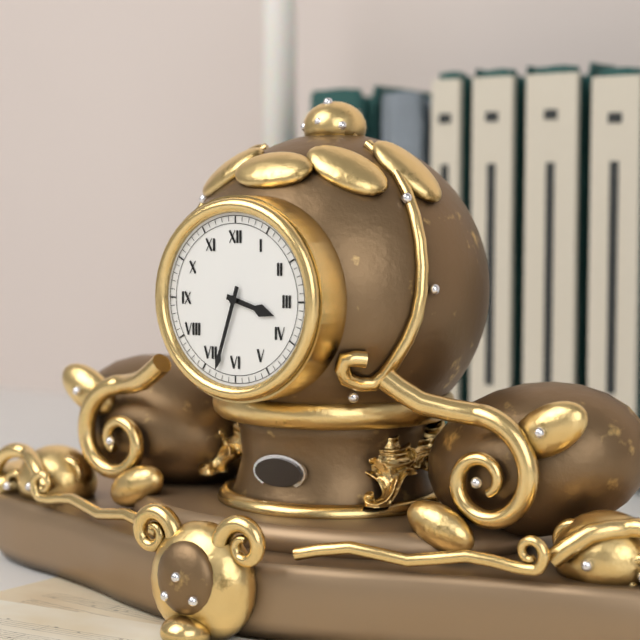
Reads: h=3 m=33
